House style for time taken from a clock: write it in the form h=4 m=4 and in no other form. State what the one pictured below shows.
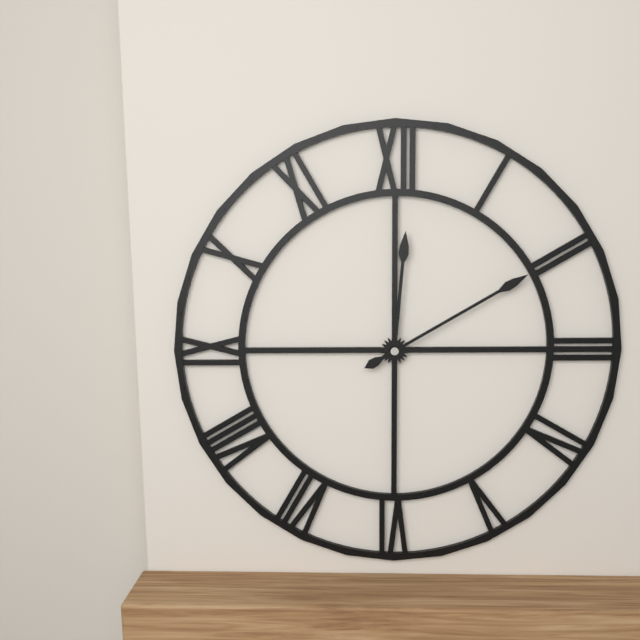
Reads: h=12 m=10
